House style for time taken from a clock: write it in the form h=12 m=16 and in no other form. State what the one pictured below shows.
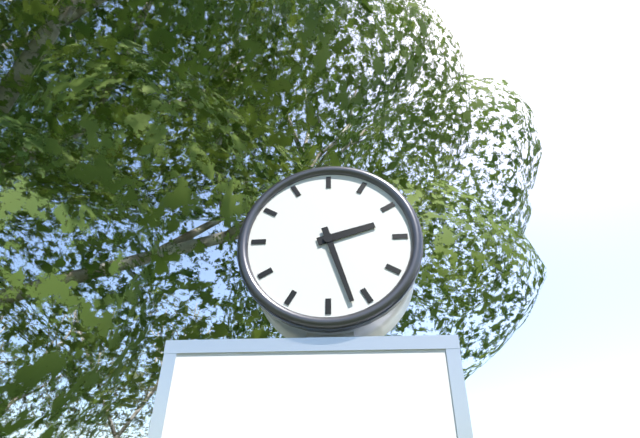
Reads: h=2 m=27
